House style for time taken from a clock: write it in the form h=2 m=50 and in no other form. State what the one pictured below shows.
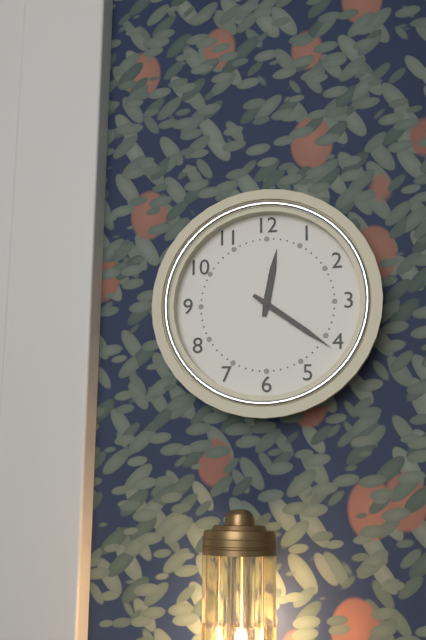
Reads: h=12 m=21
